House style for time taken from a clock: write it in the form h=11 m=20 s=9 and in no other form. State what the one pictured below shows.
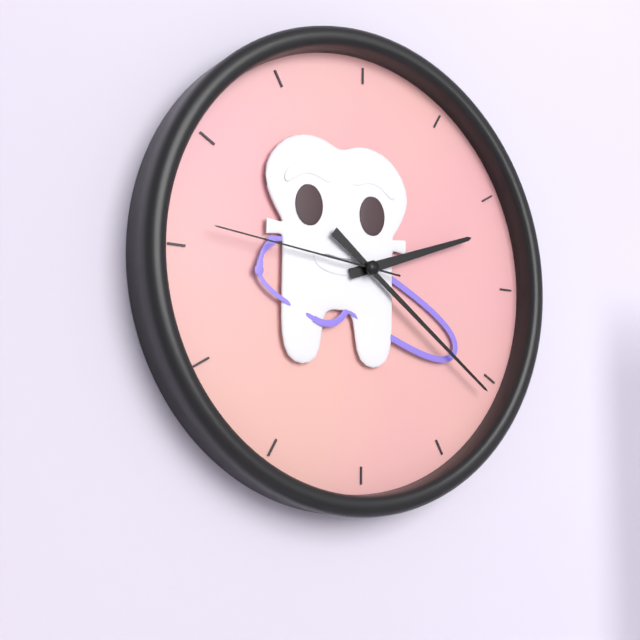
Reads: h=2 m=21 s=46
